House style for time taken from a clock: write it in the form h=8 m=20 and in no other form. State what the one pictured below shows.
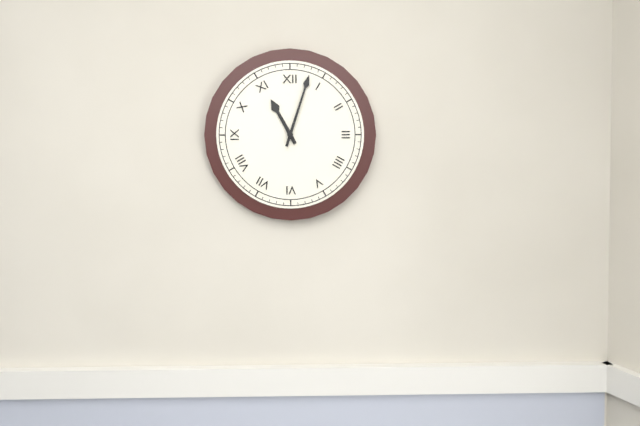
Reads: h=11 m=3
